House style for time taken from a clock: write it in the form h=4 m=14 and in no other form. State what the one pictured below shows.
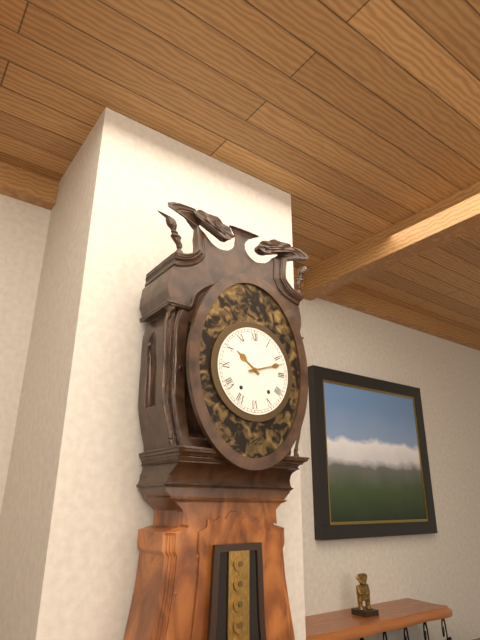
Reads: h=10 m=12
